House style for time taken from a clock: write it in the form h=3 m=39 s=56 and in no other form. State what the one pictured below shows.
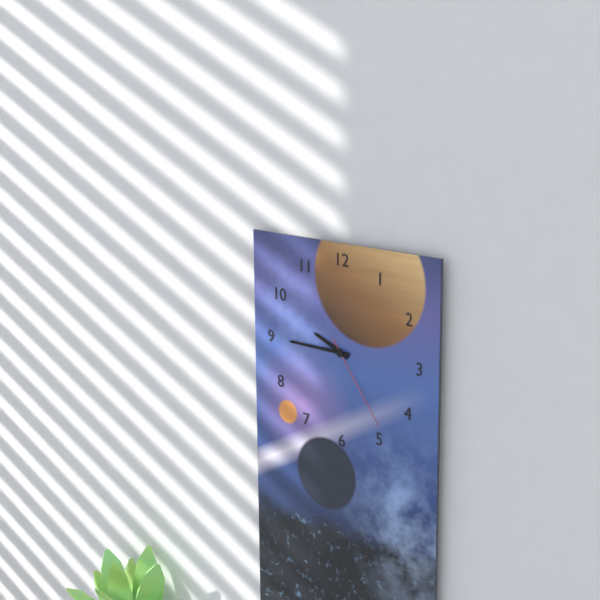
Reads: h=9 m=45 s=24
